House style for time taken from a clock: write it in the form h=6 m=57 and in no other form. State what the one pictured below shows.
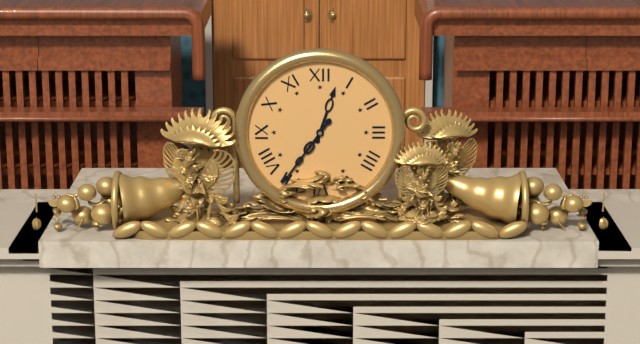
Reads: h=12 m=36
